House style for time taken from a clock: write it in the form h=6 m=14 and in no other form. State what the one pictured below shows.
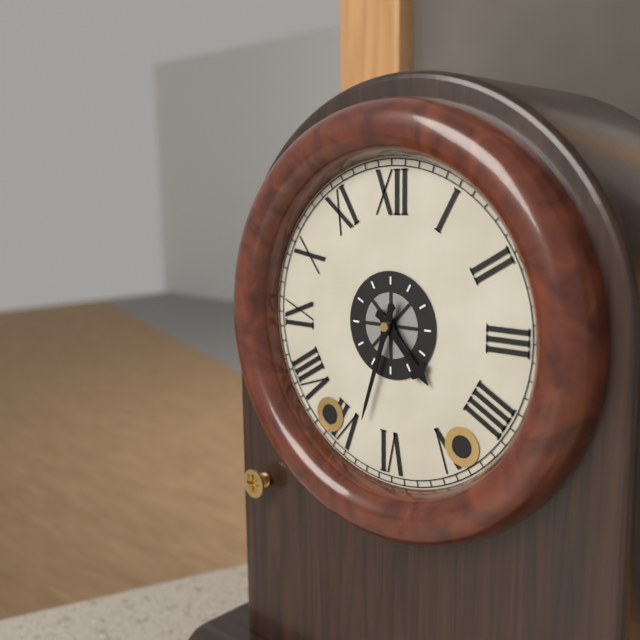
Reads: h=4 m=33
